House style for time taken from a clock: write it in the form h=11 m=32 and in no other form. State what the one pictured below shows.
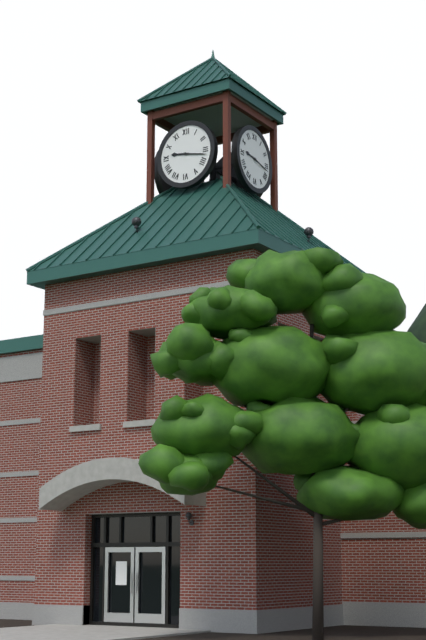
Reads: h=9 m=17
